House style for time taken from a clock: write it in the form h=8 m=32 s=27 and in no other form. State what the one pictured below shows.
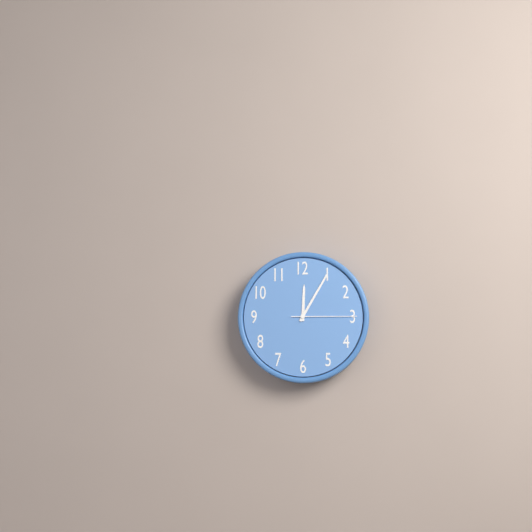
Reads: h=12 m=5 s=15
